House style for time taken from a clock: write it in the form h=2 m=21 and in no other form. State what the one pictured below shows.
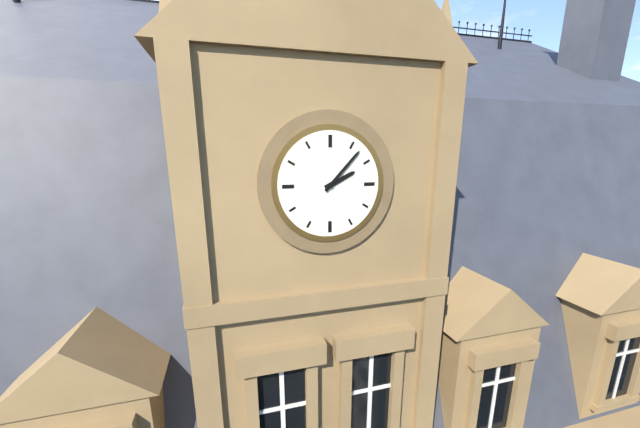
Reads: h=2 m=7
